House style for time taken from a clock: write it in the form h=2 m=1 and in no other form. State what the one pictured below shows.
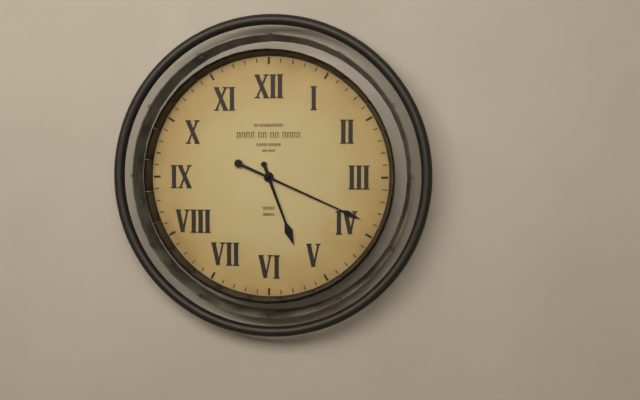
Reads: h=5 m=19
